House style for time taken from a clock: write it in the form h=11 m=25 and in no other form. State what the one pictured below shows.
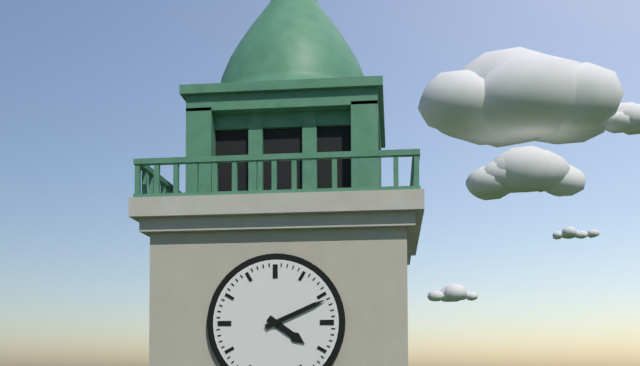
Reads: h=4 m=11
